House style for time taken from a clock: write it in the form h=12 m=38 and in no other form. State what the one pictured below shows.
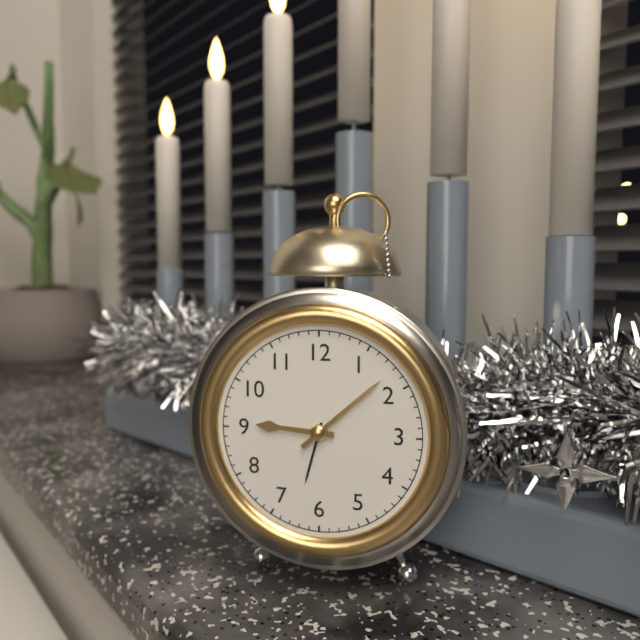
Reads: h=9 m=8
